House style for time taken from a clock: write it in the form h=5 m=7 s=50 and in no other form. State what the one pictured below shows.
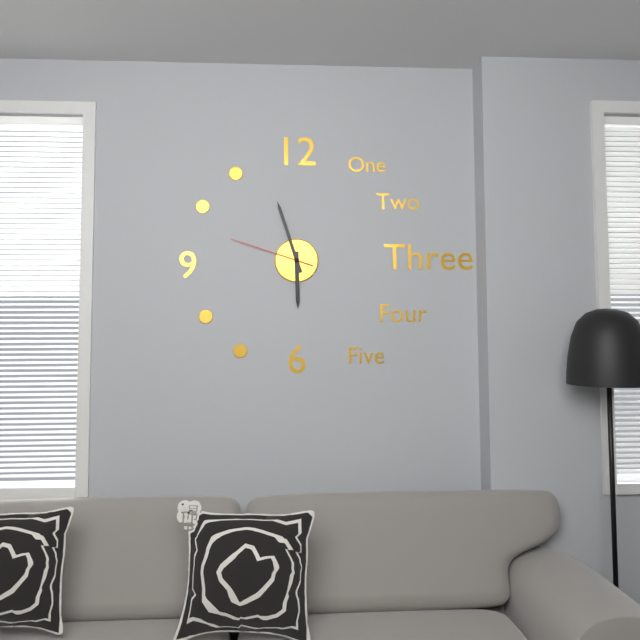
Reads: h=5 m=57 s=48
